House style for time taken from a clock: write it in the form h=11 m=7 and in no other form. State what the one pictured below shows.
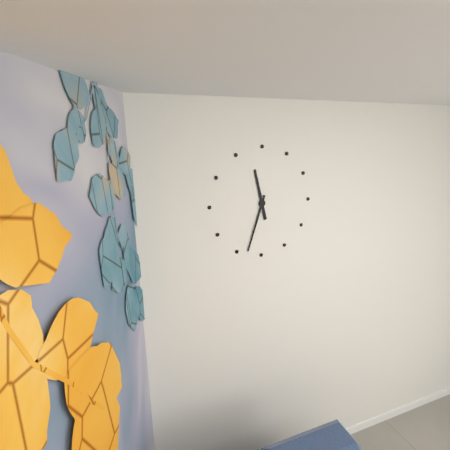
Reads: h=11 m=33
